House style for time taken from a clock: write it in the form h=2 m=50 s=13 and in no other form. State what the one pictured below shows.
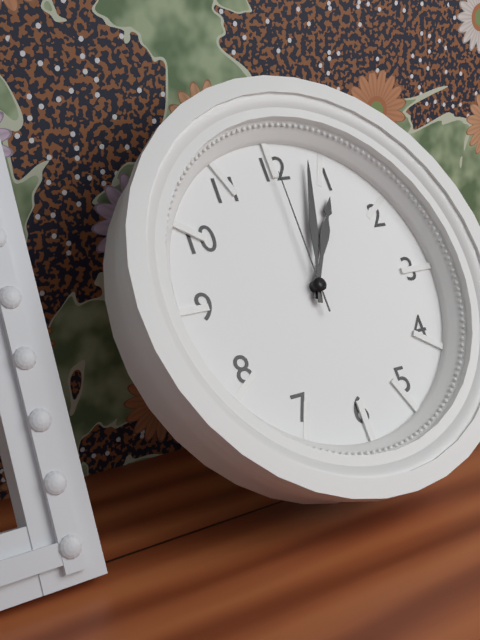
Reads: h=1 m=3 s=0
